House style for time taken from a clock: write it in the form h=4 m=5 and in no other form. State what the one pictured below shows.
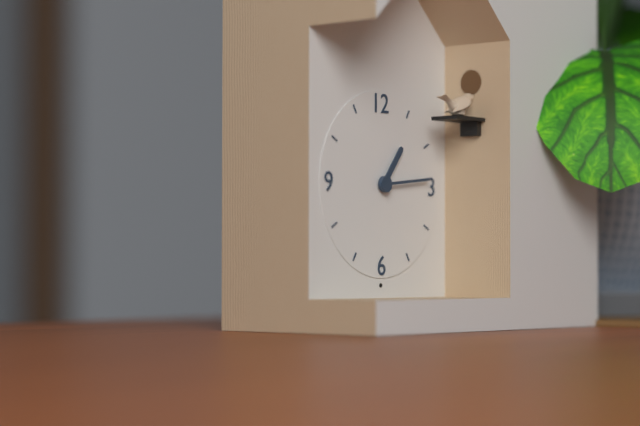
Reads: h=1 m=14
